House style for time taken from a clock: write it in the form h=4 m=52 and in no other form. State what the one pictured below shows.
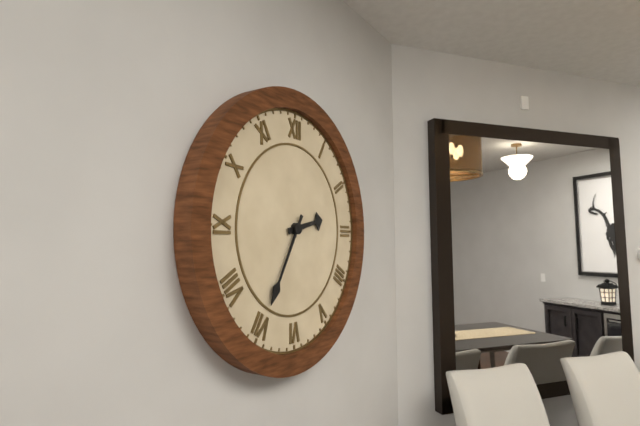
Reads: h=2 m=35
